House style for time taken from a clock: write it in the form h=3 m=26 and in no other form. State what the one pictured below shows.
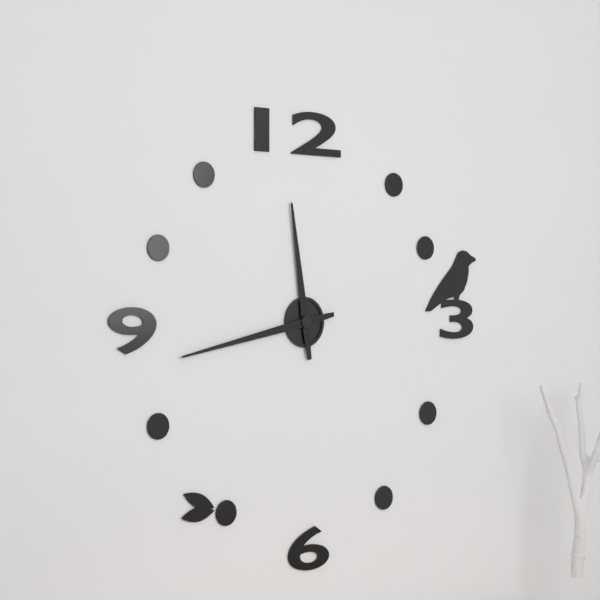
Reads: h=11 m=43
